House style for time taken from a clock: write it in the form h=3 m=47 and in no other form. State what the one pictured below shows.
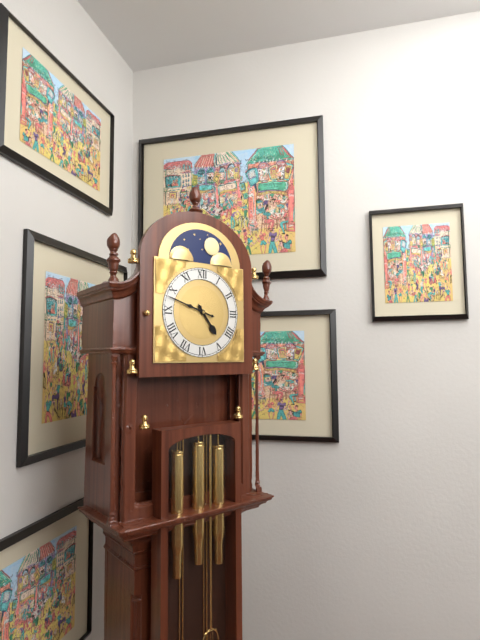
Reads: h=4 m=48
